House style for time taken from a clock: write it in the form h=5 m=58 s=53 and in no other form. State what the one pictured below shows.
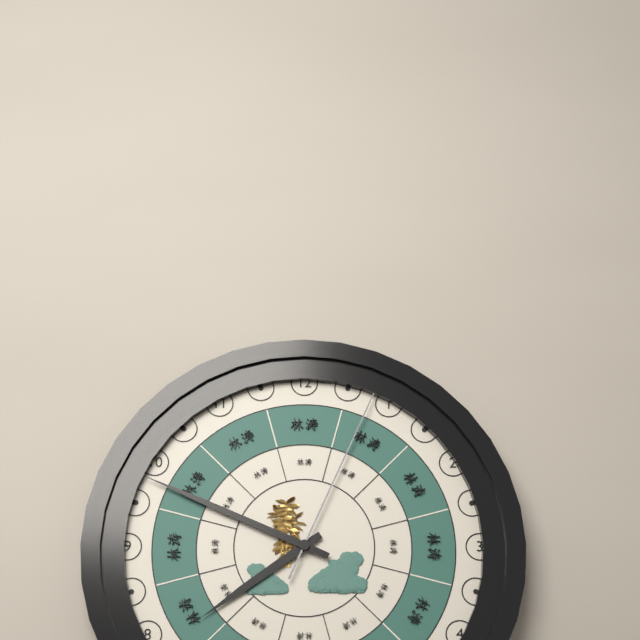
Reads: h=7 m=49 s=4
